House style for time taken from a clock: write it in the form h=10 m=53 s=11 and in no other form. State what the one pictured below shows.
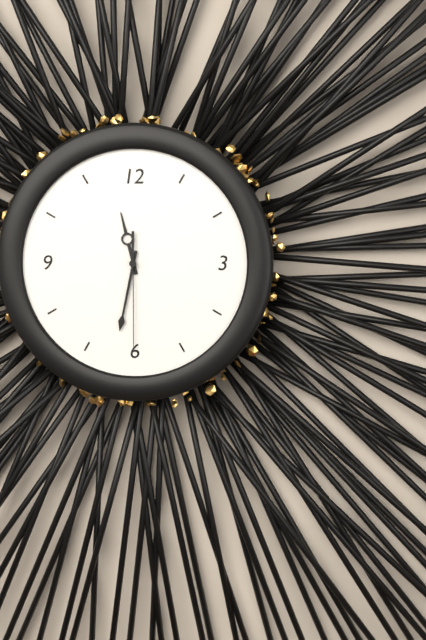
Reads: h=11 m=32 s=30
